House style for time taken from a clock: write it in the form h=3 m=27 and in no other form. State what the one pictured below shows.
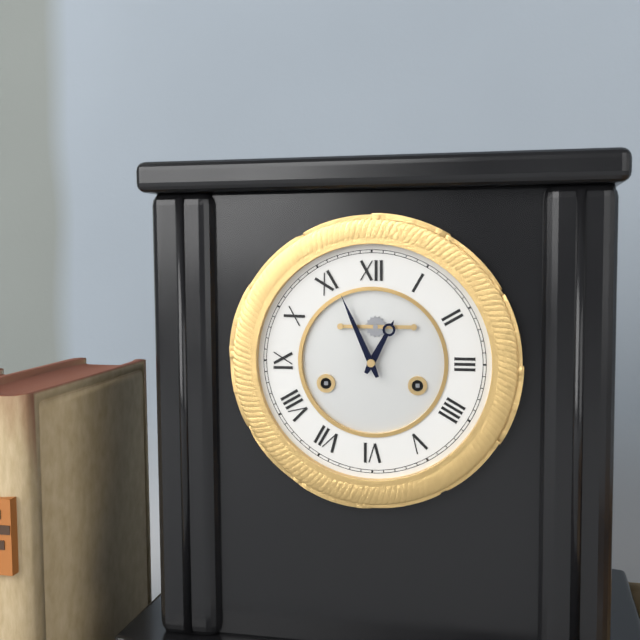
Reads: h=12 m=56
